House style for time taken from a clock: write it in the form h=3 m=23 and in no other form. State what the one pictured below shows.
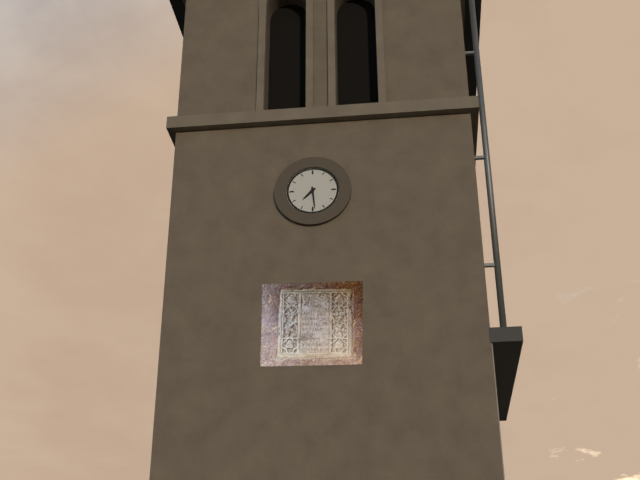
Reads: h=7 m=29
